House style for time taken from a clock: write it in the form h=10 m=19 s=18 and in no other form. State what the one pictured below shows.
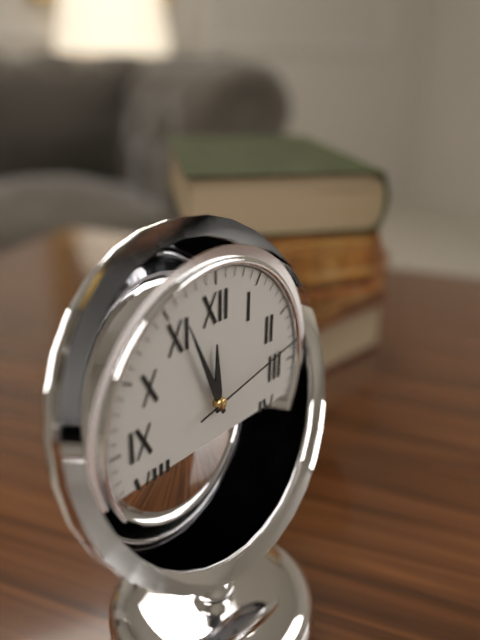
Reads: h=11 m=56 s=13
